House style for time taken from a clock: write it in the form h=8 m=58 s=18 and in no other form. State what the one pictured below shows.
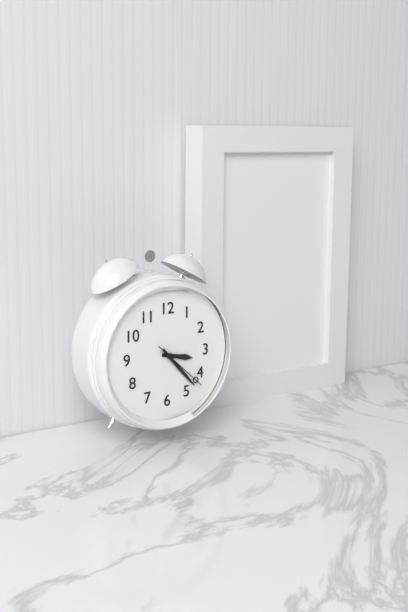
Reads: h=3 m=23 s=22
